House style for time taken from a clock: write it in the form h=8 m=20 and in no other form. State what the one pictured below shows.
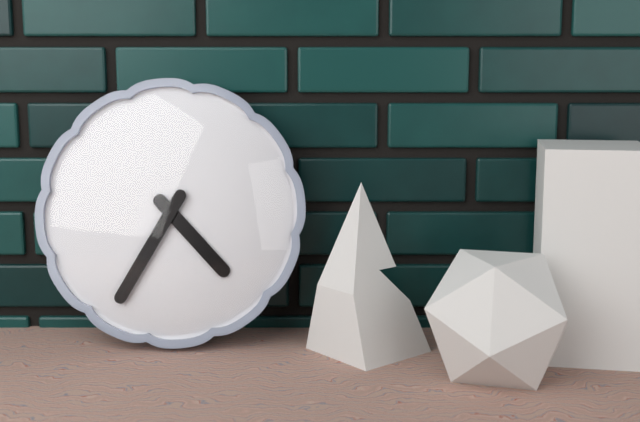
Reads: h=4 m=35
